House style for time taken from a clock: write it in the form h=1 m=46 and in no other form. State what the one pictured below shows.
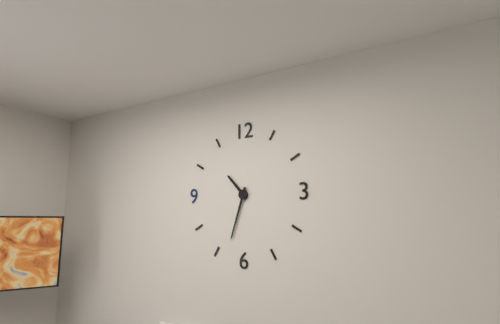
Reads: h=10 m=33
